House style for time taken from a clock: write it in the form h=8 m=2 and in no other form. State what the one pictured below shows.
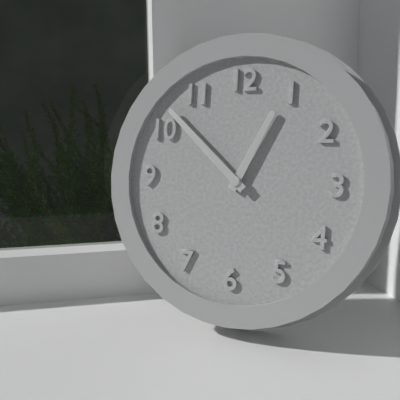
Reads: h=12 m=52
